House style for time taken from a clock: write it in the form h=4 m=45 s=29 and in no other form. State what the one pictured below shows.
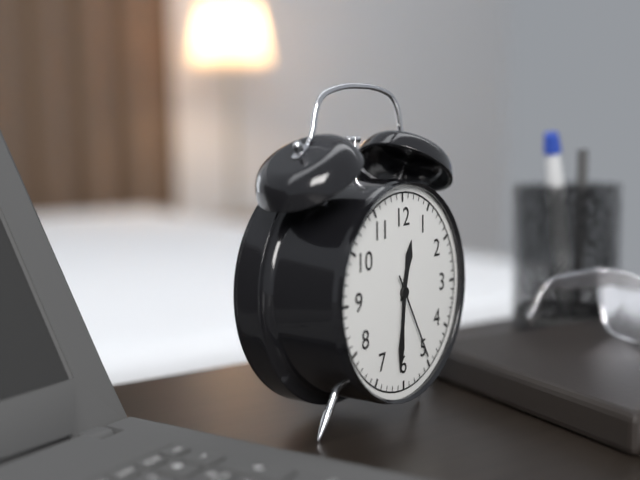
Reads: h=12 m=31 s=25
